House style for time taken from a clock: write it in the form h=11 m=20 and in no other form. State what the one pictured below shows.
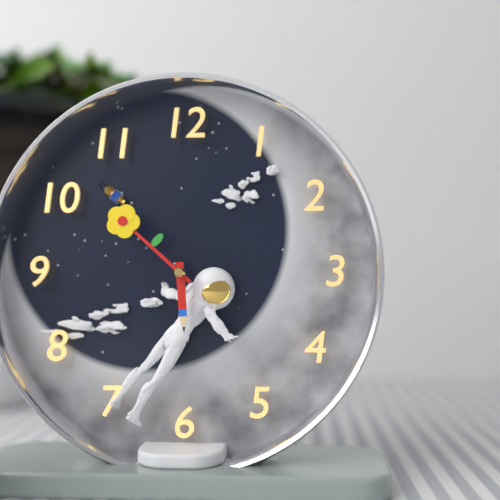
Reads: h=5 m=52
